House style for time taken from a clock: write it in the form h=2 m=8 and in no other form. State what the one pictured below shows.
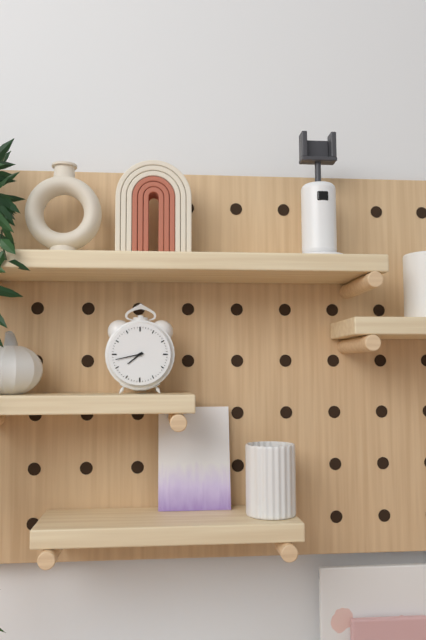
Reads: h=7 m=43
